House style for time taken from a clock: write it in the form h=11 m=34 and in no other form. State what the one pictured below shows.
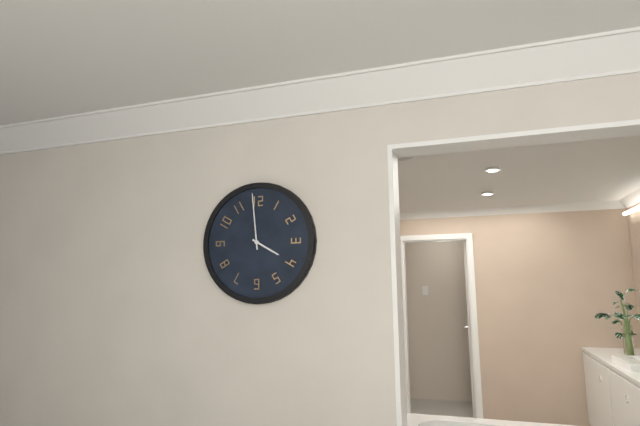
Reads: h=3 m=59
